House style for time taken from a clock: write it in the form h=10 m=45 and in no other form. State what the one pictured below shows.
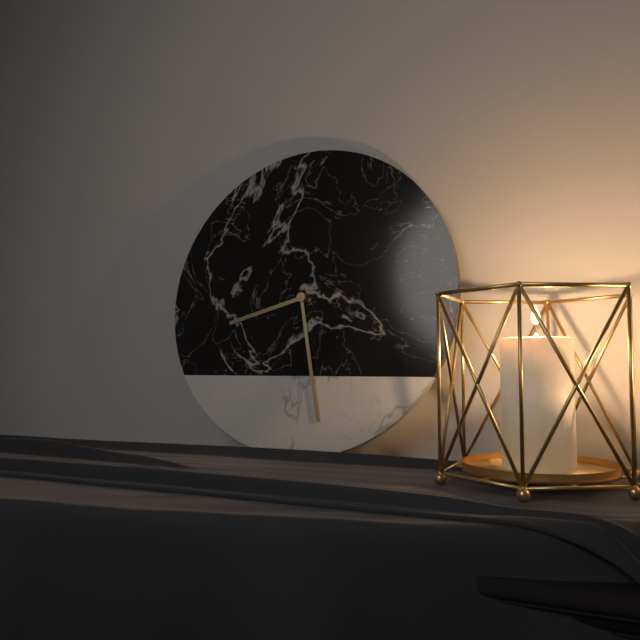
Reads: h=8 m=28
